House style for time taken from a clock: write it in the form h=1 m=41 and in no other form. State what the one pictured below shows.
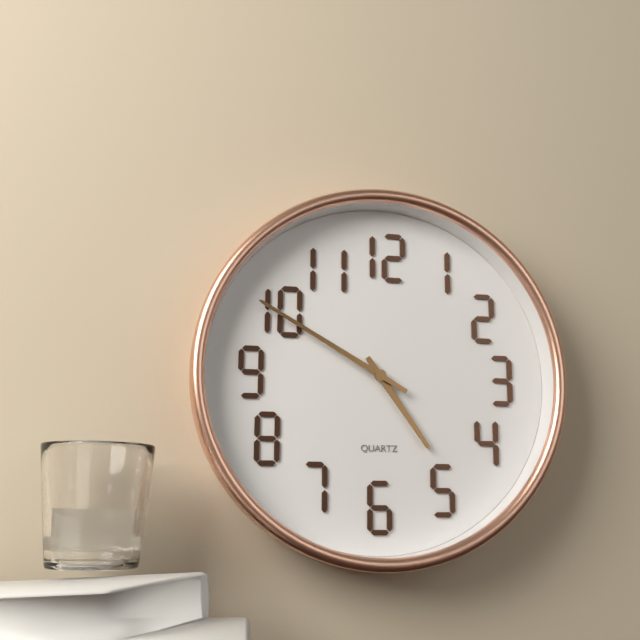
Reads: h=4 m=50
